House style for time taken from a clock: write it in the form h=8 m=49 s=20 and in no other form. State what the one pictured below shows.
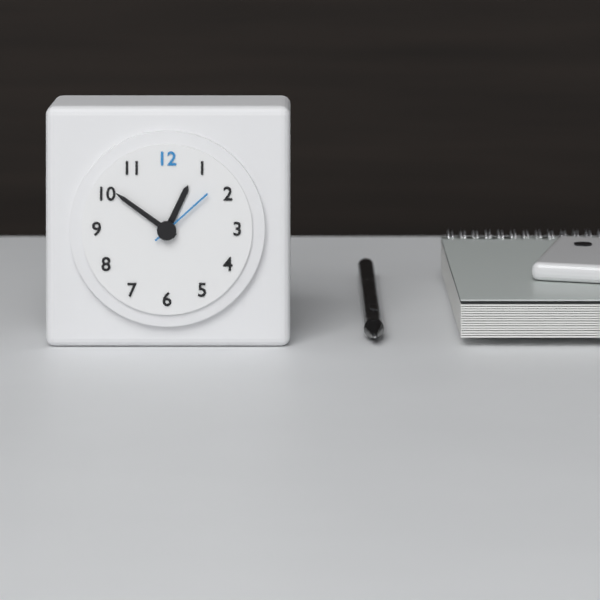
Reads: h=12 m=51 s=8
